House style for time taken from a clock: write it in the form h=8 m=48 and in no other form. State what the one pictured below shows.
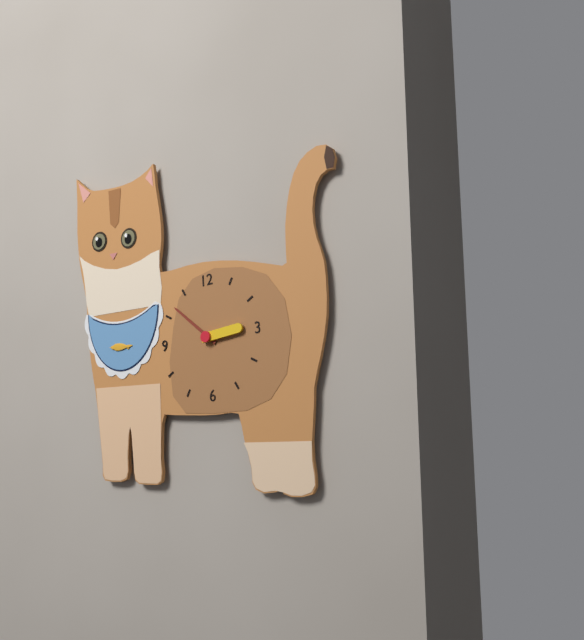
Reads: h=2 m=52
